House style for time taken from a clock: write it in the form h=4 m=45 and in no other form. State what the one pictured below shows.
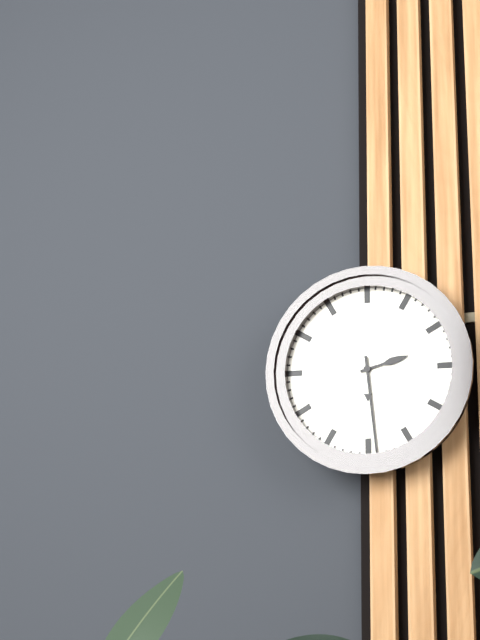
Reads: h=2 m=29
